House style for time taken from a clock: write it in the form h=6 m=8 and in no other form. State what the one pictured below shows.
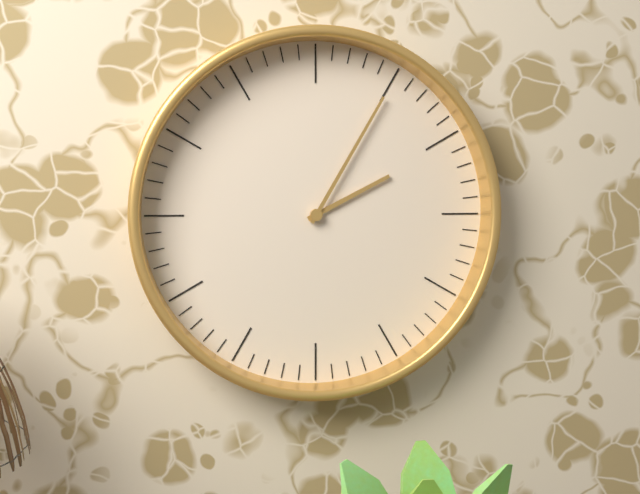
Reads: h=2 m=5
